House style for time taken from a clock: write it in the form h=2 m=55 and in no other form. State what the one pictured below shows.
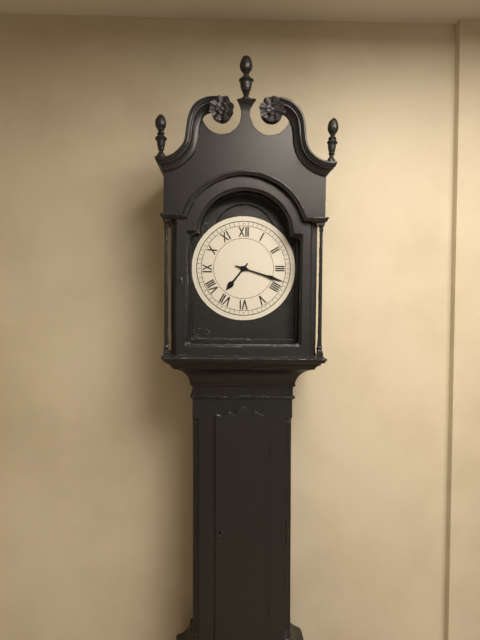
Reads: h=7 m=18
